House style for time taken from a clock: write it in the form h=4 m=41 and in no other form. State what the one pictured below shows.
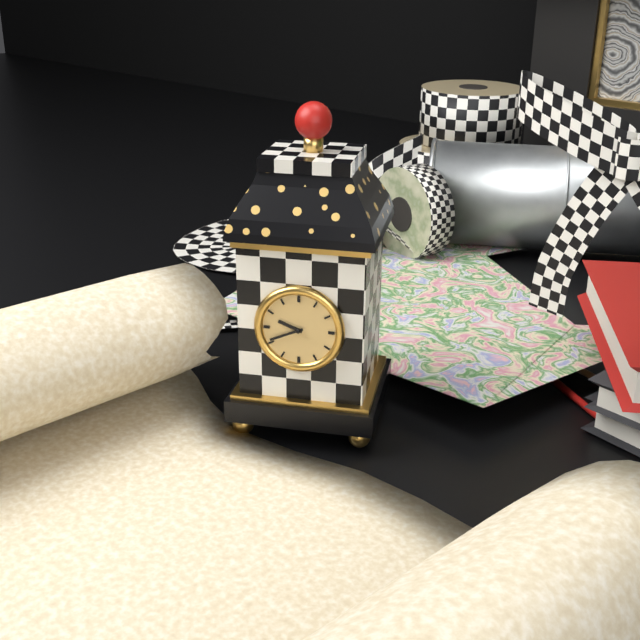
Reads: h=9 m=41
